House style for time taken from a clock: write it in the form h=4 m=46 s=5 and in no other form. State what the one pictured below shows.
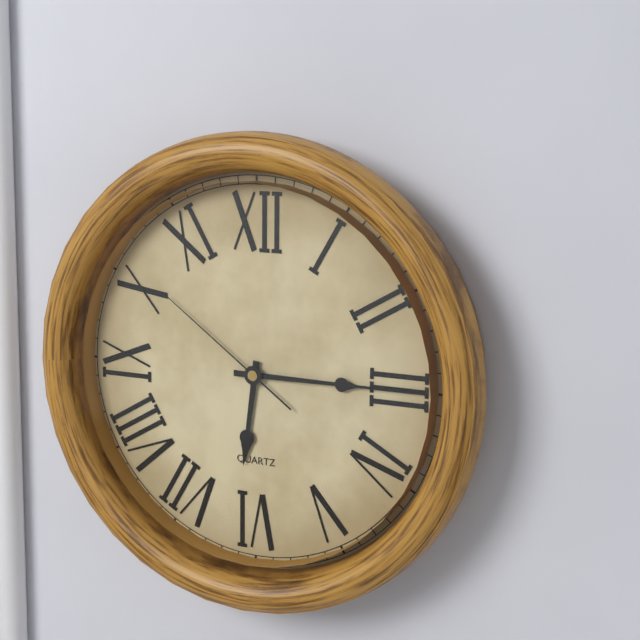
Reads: h=6 m=15 s=51
